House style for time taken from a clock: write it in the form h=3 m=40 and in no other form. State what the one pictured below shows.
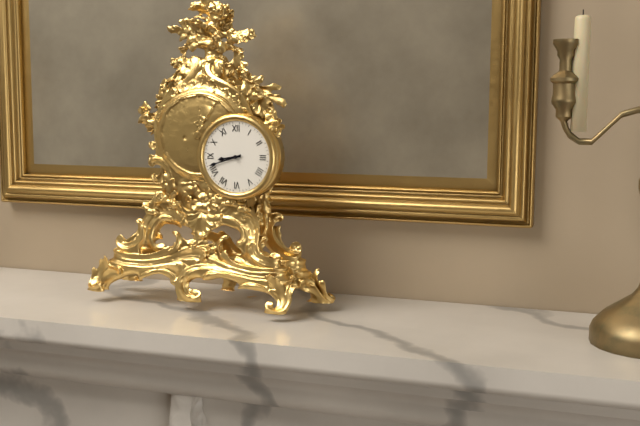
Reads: h=8 m=42
